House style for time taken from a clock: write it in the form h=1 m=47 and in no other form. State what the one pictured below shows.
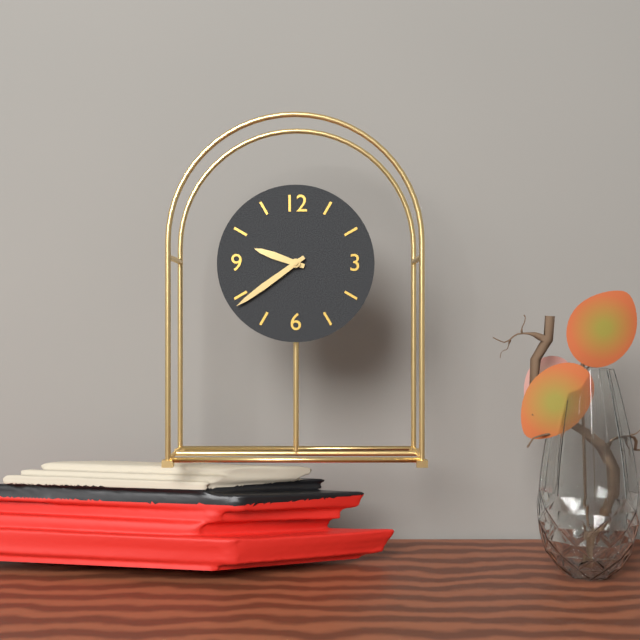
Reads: h=9 m=39
